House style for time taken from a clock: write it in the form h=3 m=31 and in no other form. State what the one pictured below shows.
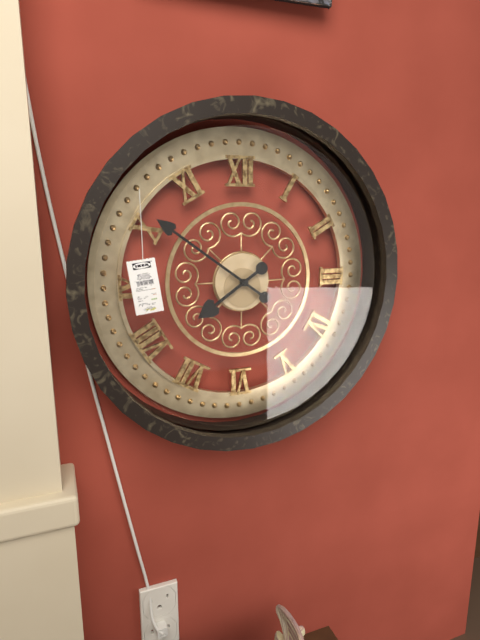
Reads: h=7 m=51
